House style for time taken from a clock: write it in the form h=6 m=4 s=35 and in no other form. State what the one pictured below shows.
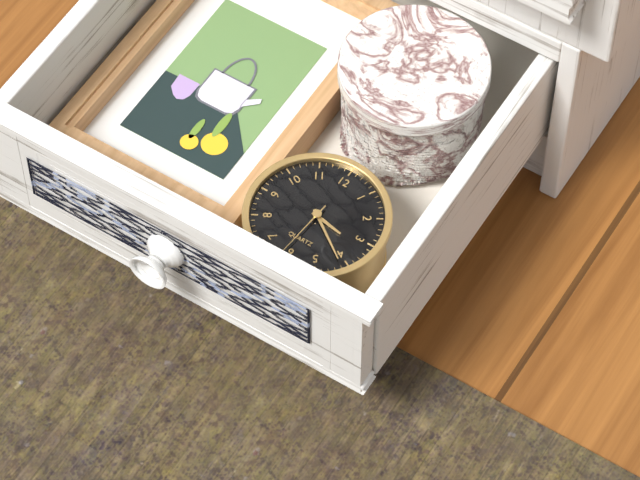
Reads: h=3 m=21 s=31
